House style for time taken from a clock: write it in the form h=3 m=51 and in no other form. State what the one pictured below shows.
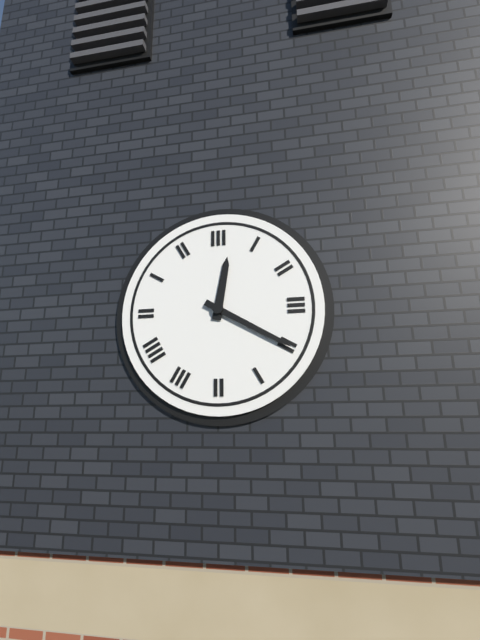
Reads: h=12 m=20
